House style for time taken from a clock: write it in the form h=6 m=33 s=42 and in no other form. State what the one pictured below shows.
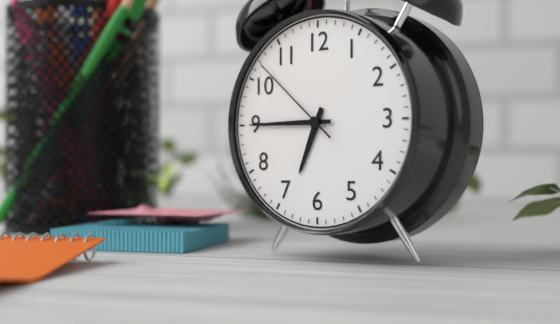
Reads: h=6 m=45 s=52
